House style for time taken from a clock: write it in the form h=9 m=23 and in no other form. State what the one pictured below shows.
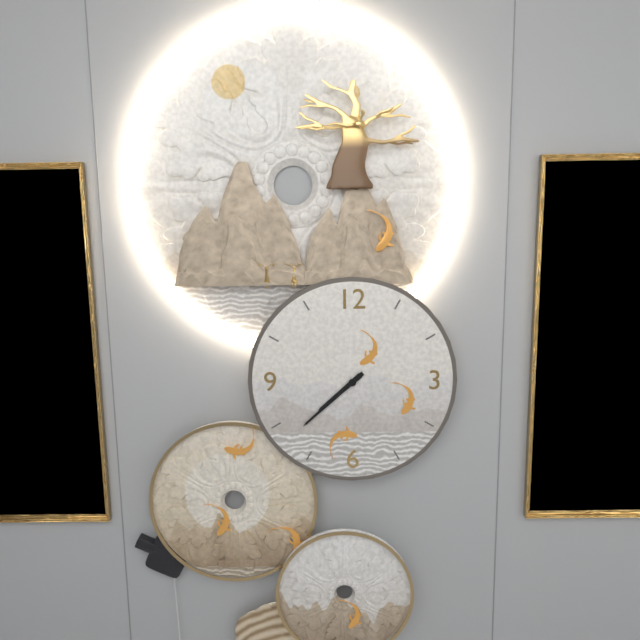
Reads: h=7 m=38
